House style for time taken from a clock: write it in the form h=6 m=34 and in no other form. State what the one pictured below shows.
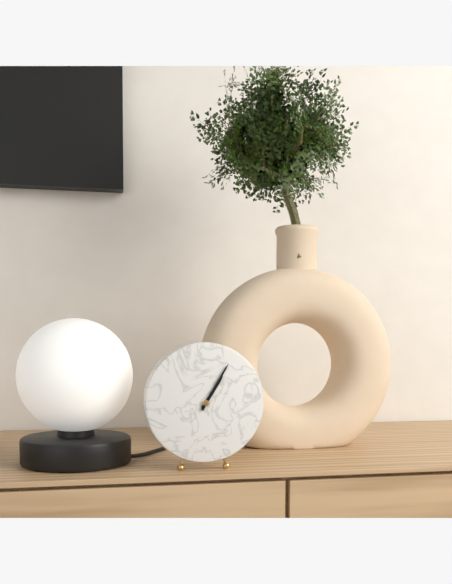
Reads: h=1 m=5
